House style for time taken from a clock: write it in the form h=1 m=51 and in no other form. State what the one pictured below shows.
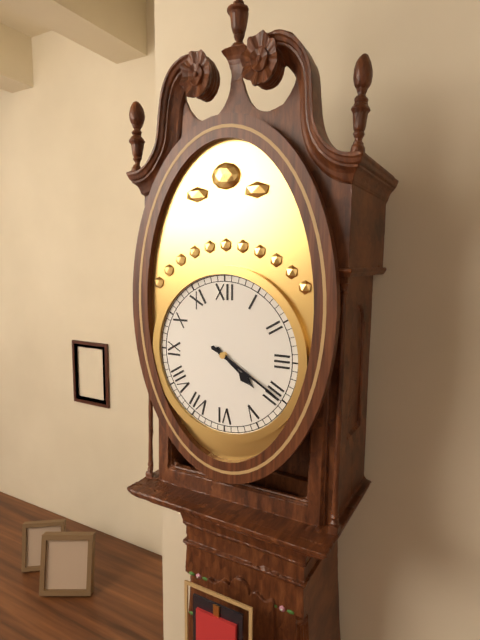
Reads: h=4 m=20
